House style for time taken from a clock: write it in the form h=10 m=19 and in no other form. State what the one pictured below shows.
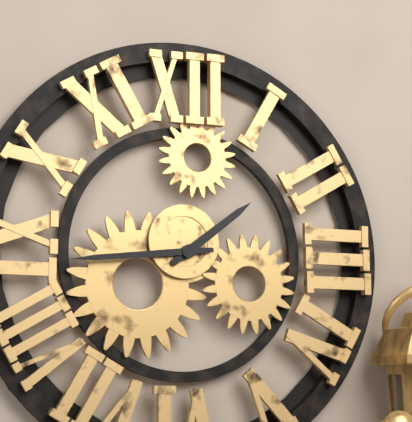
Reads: h=1 m=44
